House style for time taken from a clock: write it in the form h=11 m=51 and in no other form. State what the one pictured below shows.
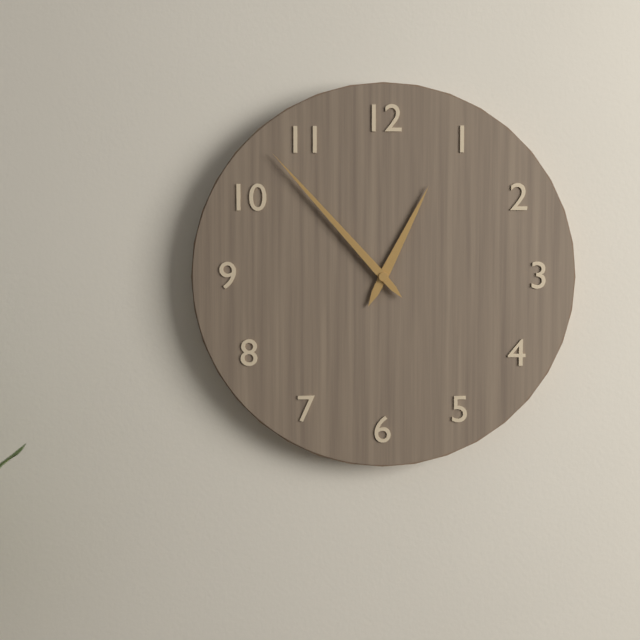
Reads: h=12 m=53
